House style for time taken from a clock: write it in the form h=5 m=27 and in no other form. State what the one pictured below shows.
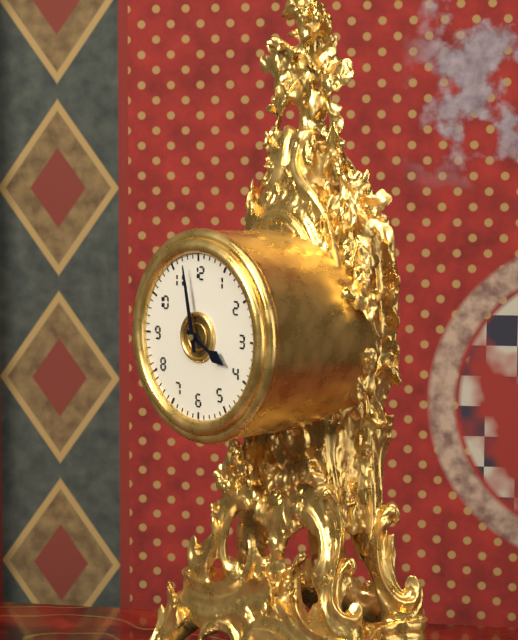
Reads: h=3 m=58
